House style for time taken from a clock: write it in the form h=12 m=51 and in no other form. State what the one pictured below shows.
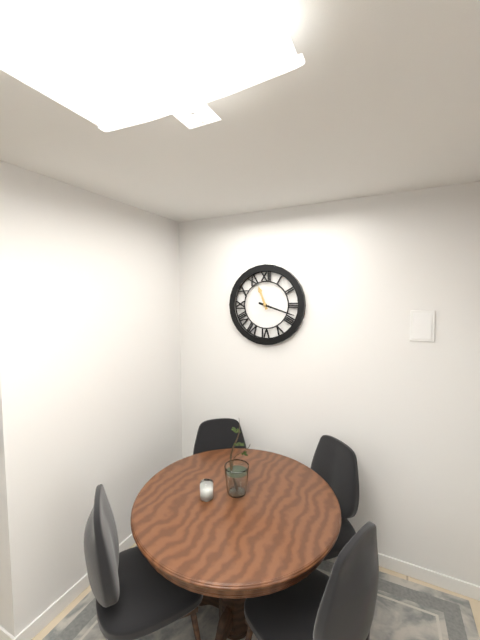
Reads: h=11 m=18
